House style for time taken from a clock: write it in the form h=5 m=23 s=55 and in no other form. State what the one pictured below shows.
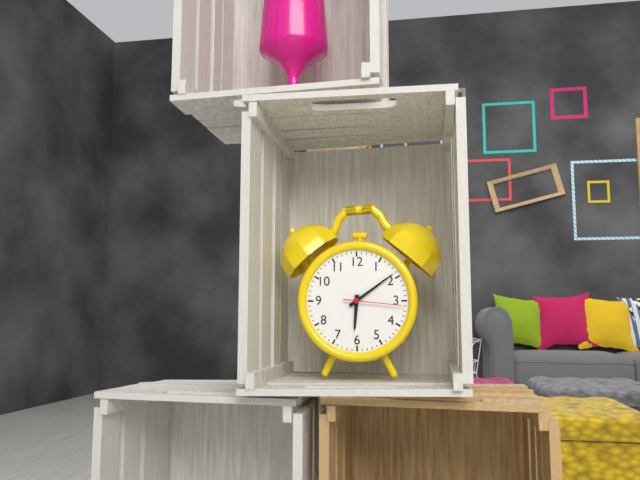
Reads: h=6 m=9 s=16
